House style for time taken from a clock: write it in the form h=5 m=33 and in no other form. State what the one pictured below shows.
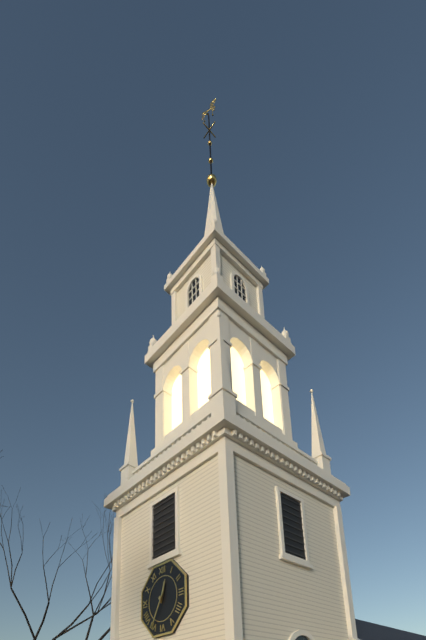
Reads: h=12 m=35
